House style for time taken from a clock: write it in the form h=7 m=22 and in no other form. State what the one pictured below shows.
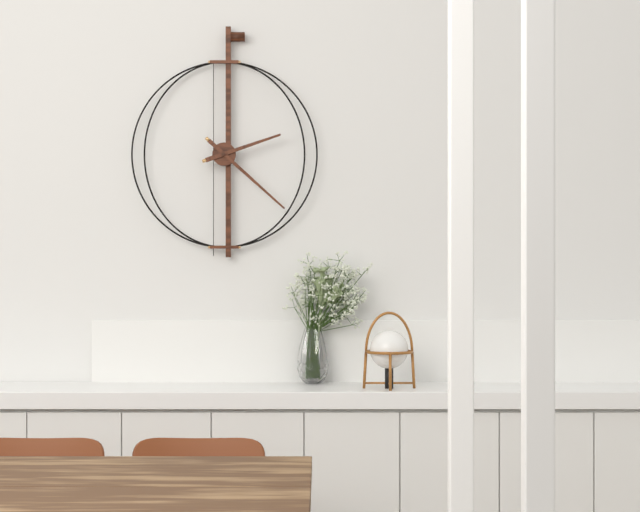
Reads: h=2 m=22
